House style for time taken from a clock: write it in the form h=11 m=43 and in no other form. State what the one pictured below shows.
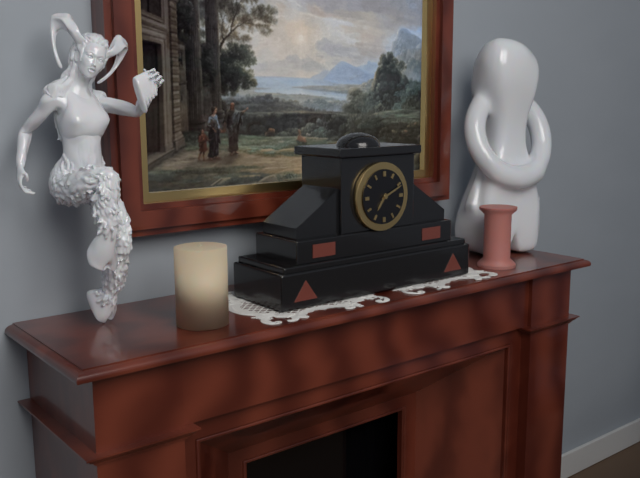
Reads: h=7 m=11
